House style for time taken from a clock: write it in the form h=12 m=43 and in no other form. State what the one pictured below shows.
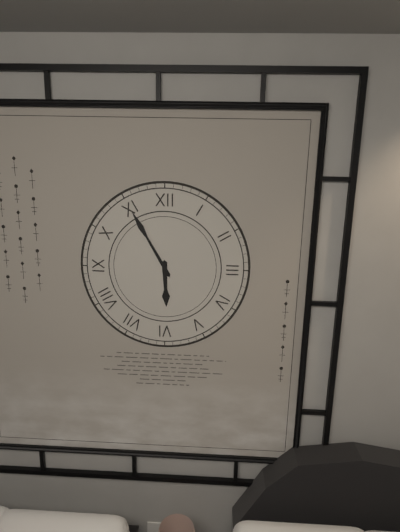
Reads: h=5 m=55
